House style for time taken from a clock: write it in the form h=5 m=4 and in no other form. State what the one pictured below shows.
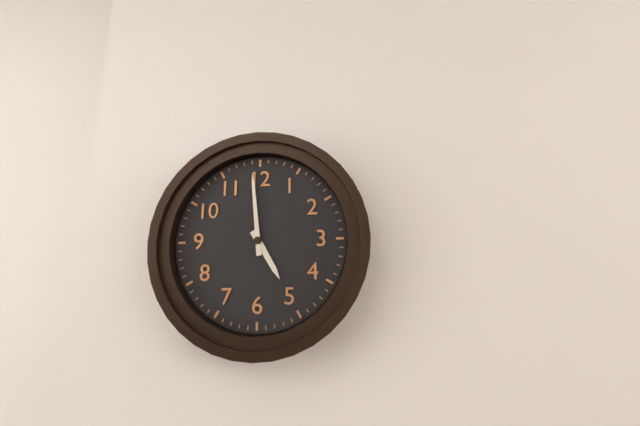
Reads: h=4 m=59
